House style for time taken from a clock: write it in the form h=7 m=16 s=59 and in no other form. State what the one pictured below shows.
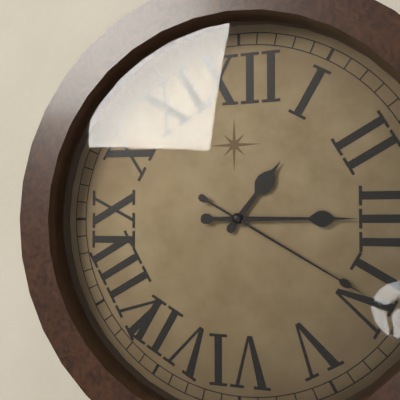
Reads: h=1 m=15 s=20
